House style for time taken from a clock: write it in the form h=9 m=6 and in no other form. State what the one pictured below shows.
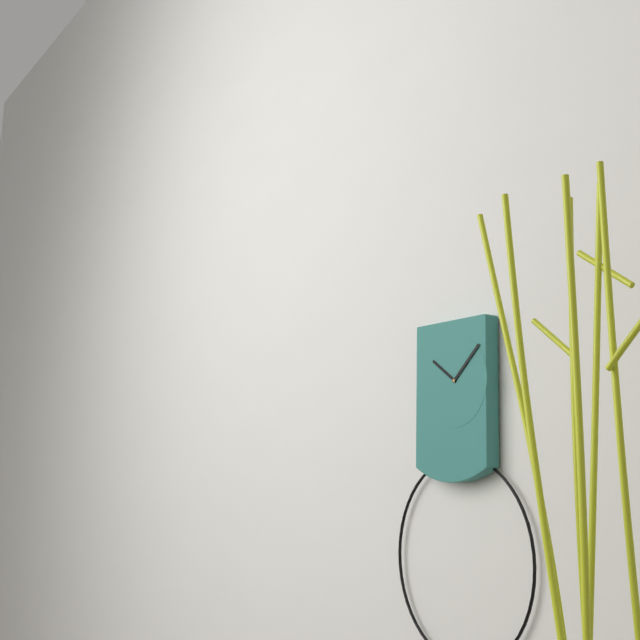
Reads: h=10 m=8
